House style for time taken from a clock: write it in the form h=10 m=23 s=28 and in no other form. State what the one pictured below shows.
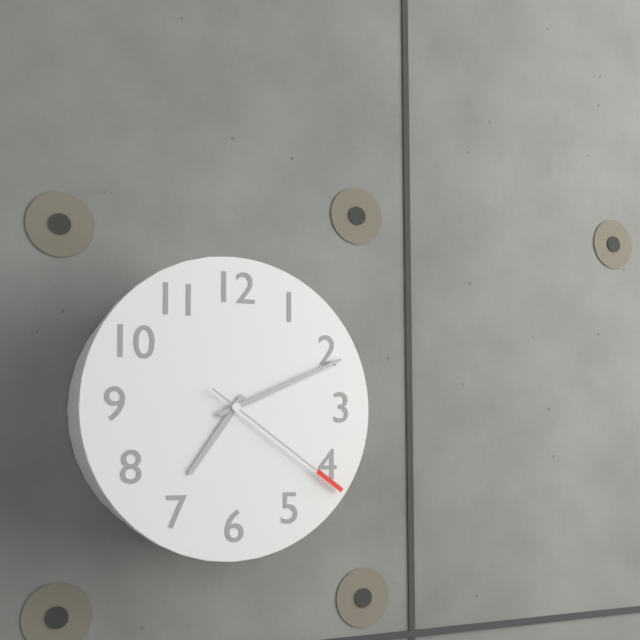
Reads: h=7 m=11 s=21
